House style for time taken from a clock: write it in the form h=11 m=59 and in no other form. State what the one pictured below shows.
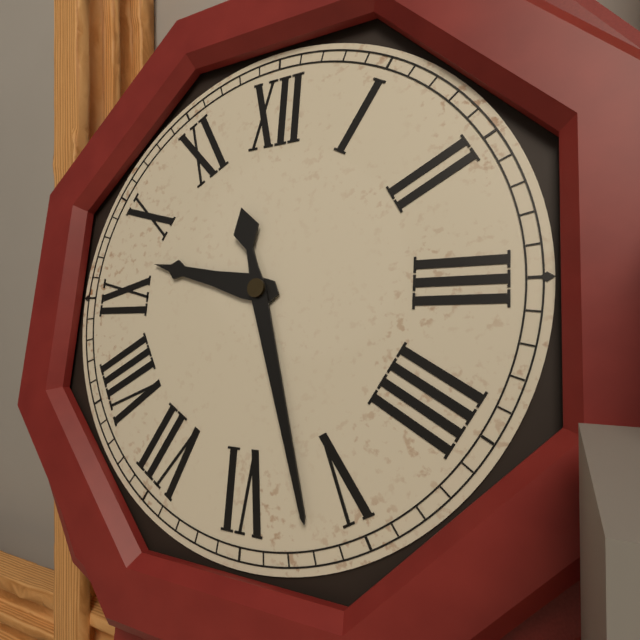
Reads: h=9 m=27
